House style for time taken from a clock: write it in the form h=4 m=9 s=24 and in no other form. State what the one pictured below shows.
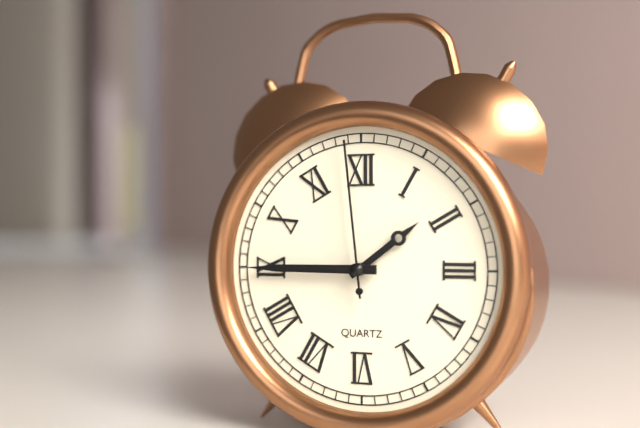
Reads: h=1 m=45 s=59
